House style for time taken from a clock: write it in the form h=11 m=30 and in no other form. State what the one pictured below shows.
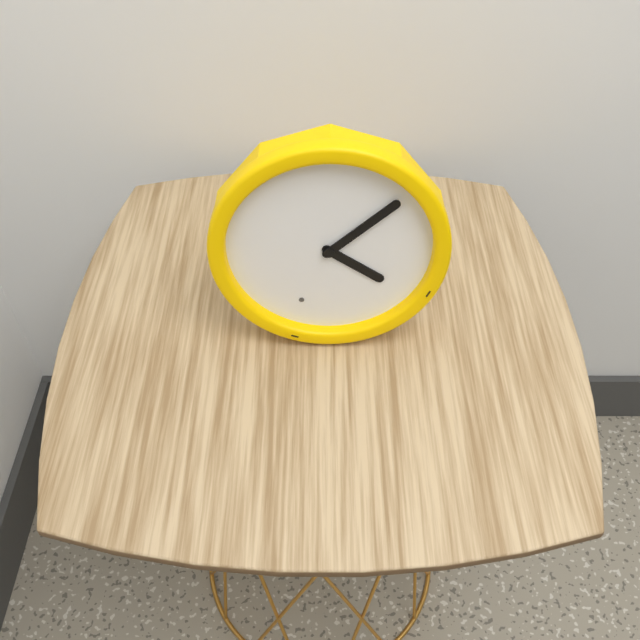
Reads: h=4 m=8
